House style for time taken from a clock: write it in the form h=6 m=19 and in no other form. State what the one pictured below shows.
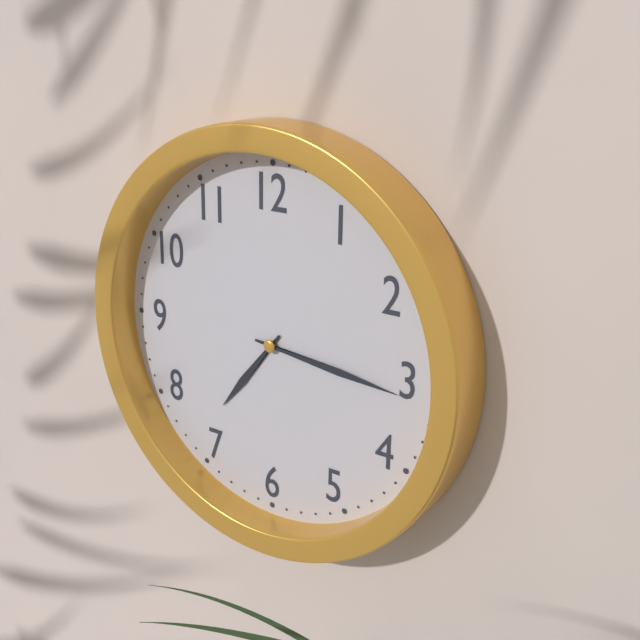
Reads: h=7 m=16
